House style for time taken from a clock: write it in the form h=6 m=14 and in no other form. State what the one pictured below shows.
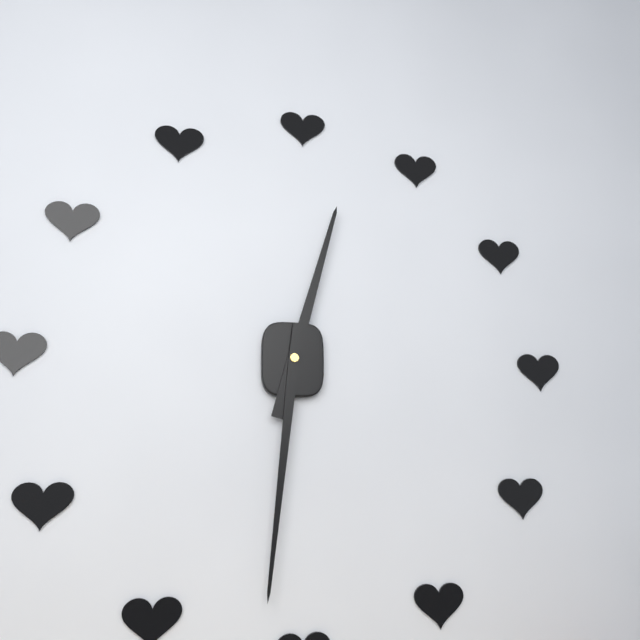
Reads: h=12 m=31
